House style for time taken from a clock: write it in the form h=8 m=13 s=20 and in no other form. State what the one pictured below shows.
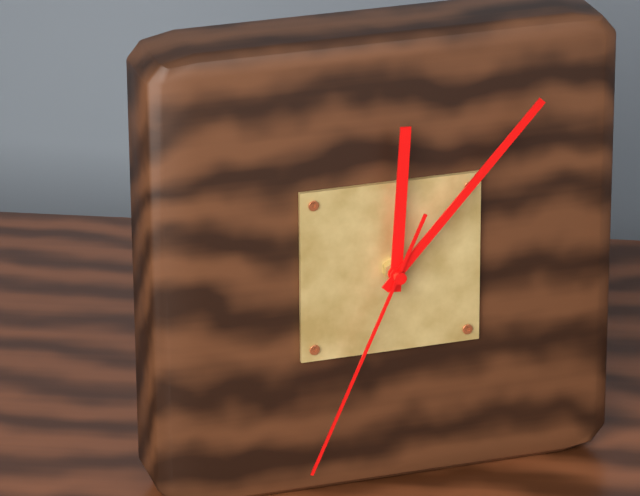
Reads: h=12 m=7 s=34
